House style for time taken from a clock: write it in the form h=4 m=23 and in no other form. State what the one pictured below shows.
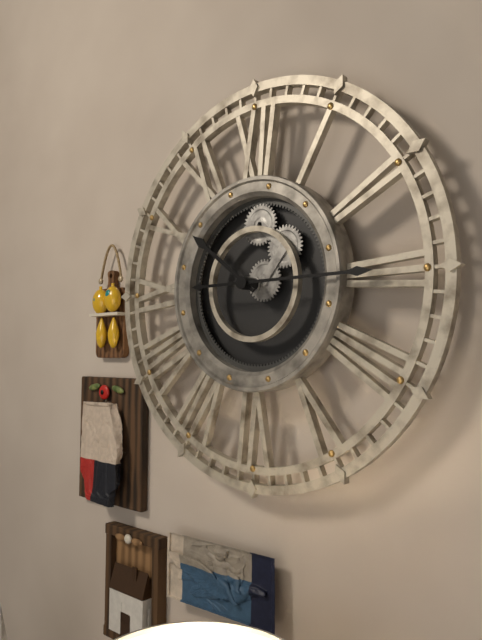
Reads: h=10 m=15
